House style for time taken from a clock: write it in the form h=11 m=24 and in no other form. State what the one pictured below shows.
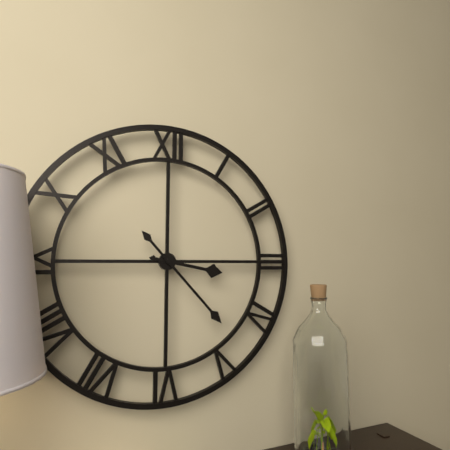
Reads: h=3 m=23
